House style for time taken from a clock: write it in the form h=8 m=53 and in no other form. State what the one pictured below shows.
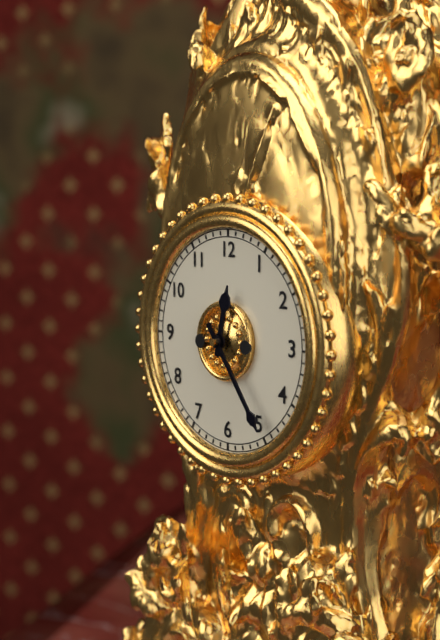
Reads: h=12 m=24
